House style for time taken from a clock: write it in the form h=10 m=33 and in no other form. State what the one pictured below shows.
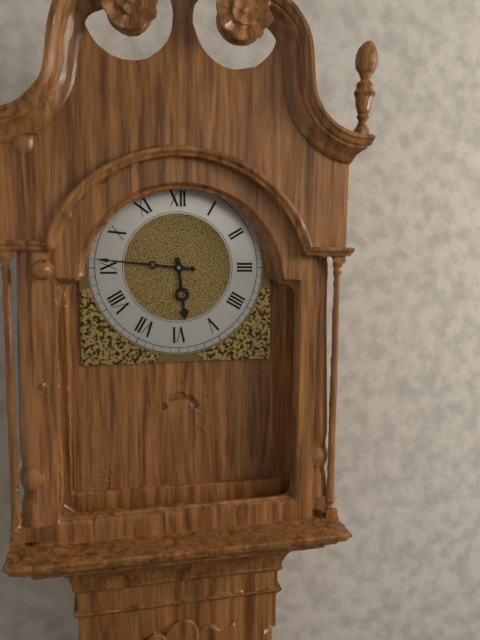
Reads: h=5 m=46
